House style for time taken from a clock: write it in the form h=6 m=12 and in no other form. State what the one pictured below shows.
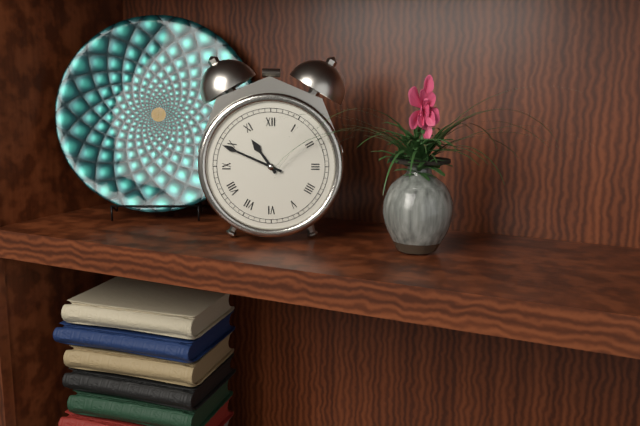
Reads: h=10 m=49
